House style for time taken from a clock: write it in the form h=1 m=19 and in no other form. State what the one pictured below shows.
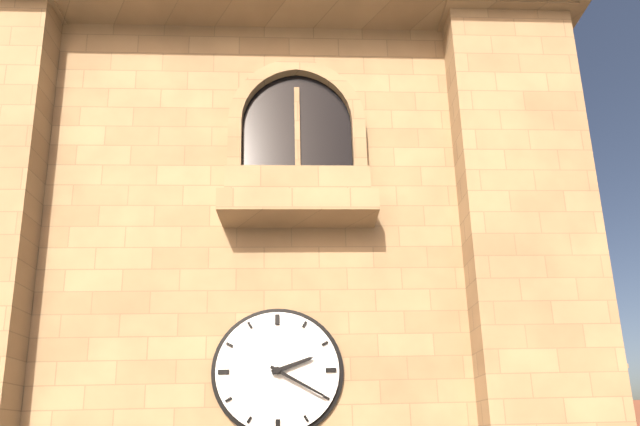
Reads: h=2 m=20
